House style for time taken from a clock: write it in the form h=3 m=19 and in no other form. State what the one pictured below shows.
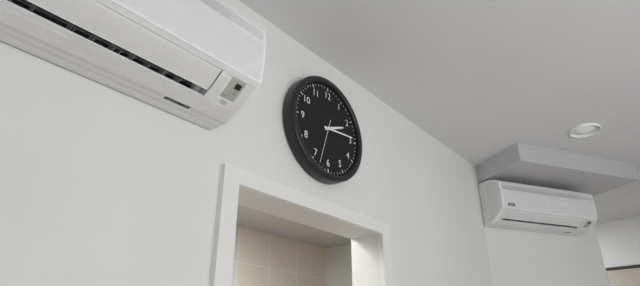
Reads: h=2 m=14
